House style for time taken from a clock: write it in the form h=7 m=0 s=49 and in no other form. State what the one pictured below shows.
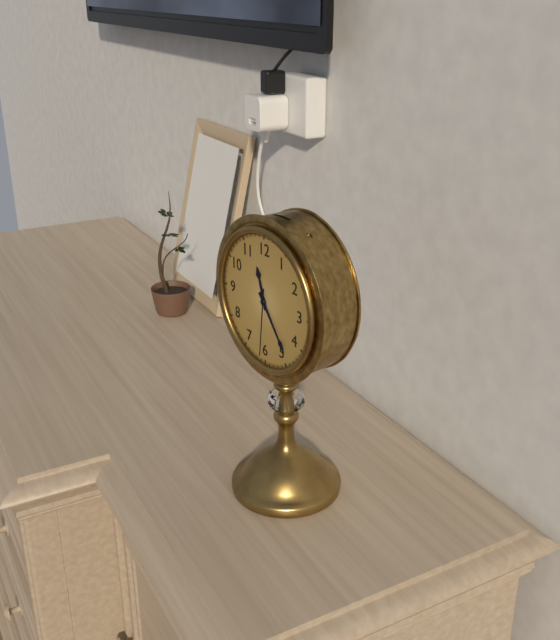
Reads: h=11 m=24 s=31
